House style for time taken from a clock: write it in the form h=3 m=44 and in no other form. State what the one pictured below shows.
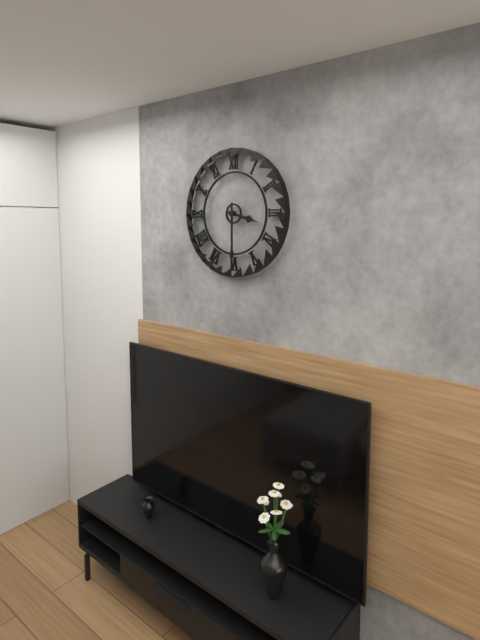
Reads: h=3 m=30
